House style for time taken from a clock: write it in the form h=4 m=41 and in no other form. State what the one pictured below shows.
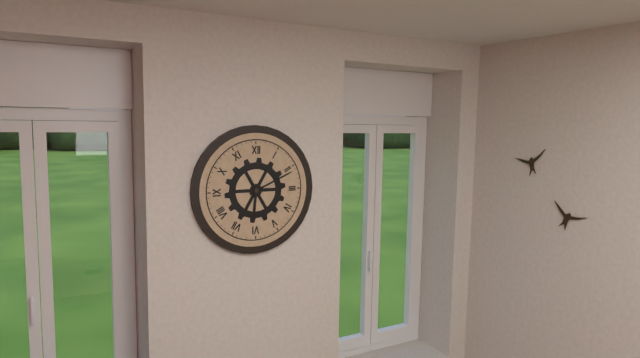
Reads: h=6 m=11
